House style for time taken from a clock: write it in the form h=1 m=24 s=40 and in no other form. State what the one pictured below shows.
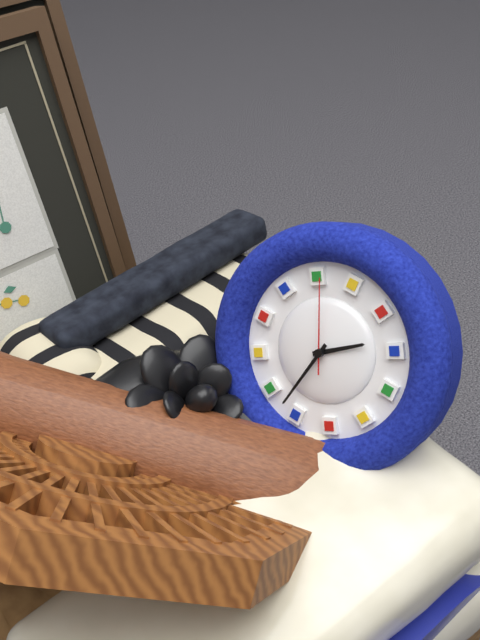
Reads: h=3 m=42 s=6
